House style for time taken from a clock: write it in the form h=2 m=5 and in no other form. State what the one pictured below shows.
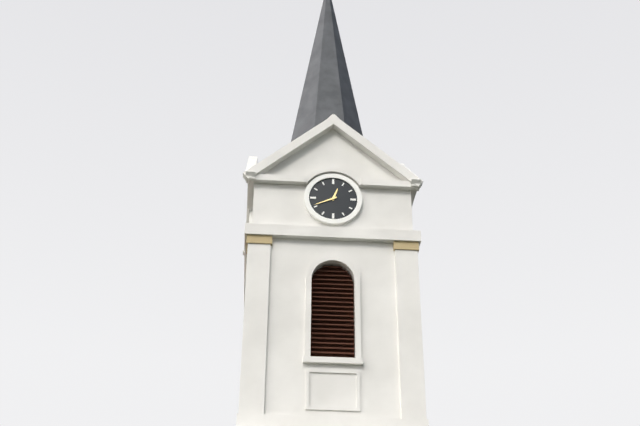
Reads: h=12 m=41
